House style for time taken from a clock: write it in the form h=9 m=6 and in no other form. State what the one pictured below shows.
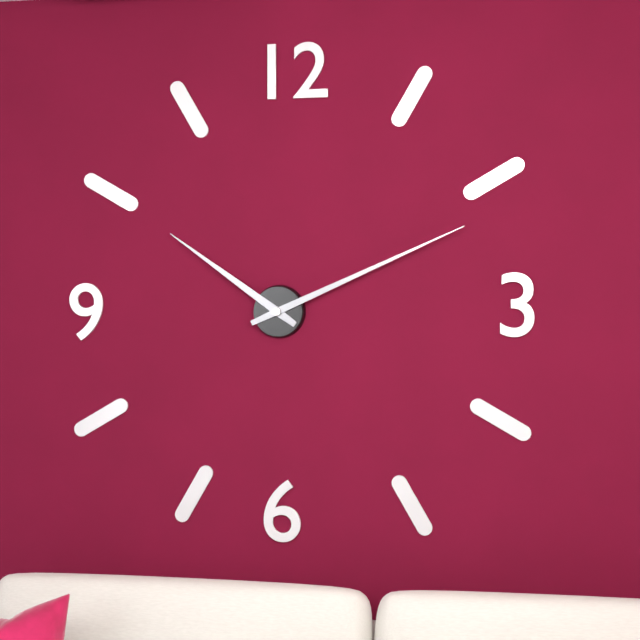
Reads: h=10 m=11
